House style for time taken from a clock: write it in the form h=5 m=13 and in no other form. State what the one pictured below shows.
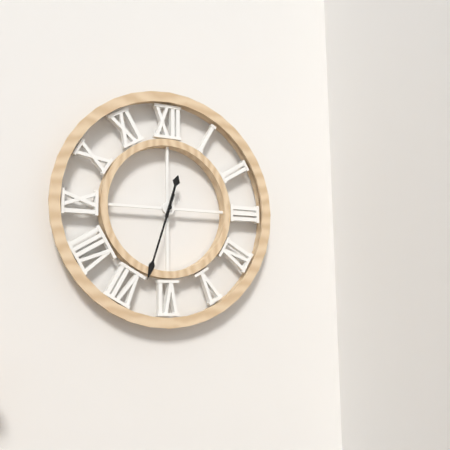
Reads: h=12 m=33
